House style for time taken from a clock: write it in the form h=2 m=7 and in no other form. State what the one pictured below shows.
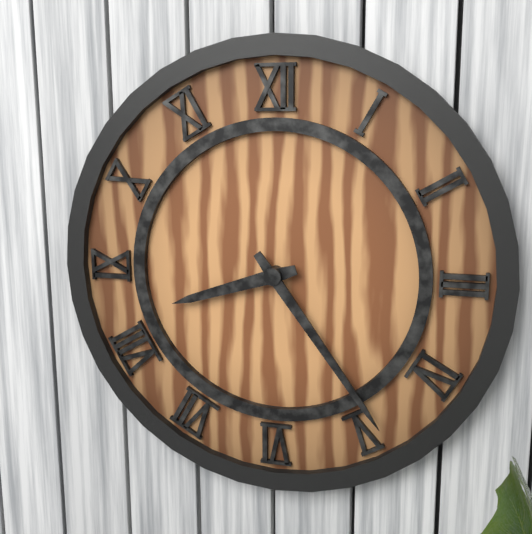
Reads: h=8 m=24
